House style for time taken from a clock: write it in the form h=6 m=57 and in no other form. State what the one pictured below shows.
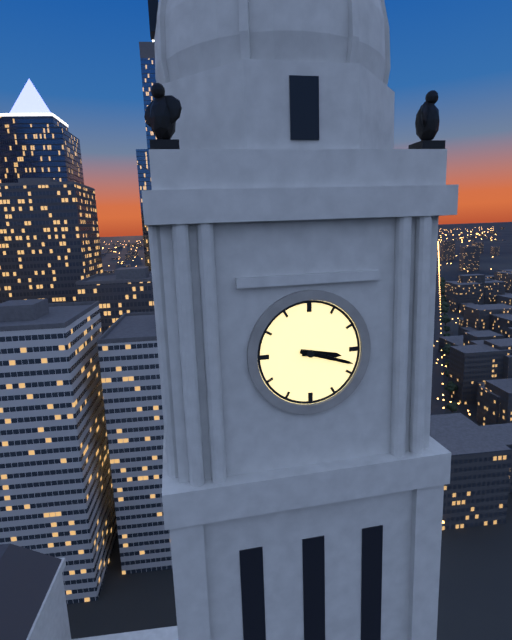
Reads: h=3 m=18
